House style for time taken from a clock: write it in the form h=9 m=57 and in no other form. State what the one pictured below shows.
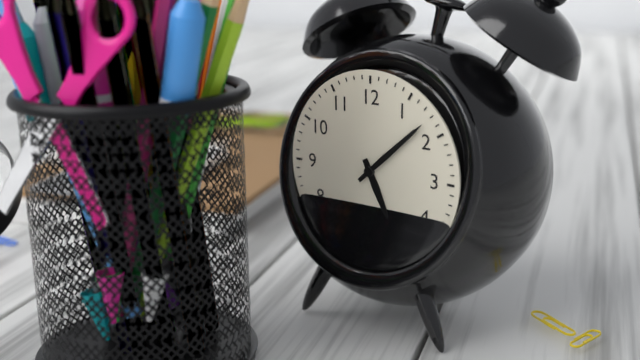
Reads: h=5 m=8
